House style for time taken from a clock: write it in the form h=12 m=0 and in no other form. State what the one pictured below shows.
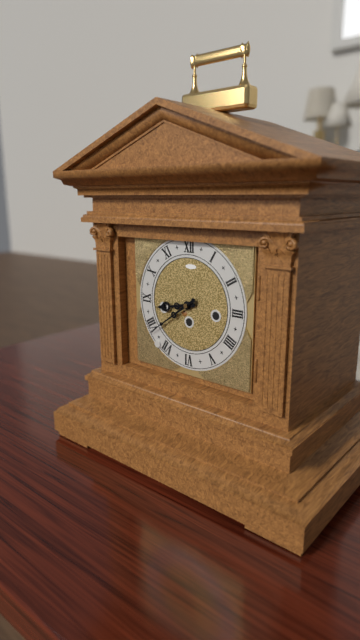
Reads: h=8 m=39
